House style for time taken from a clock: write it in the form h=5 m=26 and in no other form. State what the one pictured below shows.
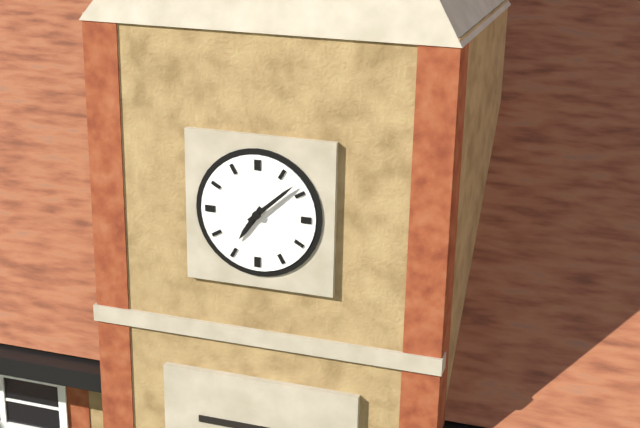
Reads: h=7 m=8
